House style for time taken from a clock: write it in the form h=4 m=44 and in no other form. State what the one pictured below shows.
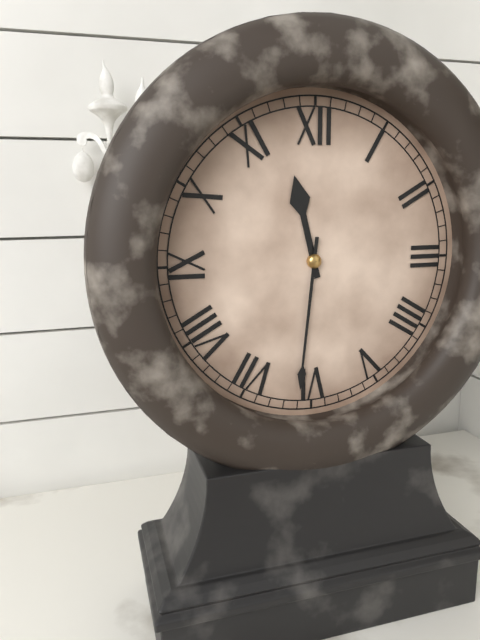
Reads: h=11 m=31
